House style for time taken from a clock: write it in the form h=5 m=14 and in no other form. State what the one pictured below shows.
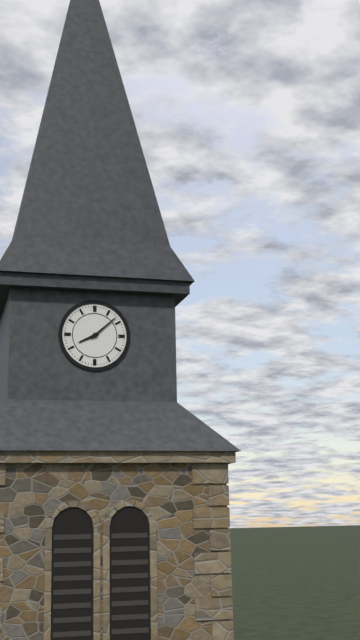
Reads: h=8 m=8
